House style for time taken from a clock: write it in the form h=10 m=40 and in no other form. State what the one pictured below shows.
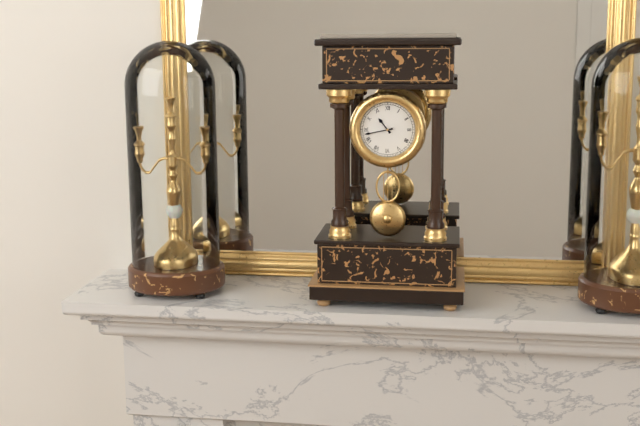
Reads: h=10 m=43
